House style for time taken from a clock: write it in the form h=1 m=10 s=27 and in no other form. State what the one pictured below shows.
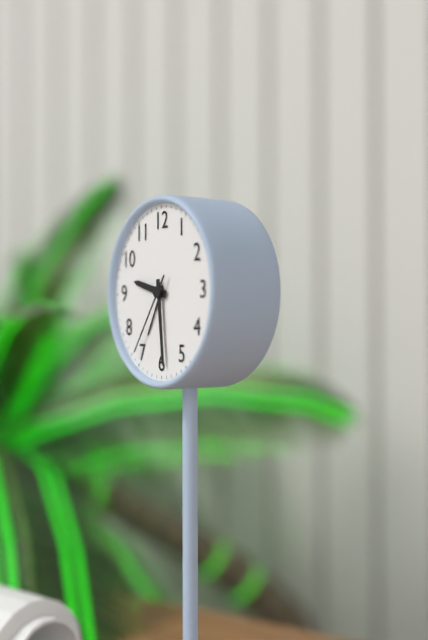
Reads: h=9 m=29 s=36
